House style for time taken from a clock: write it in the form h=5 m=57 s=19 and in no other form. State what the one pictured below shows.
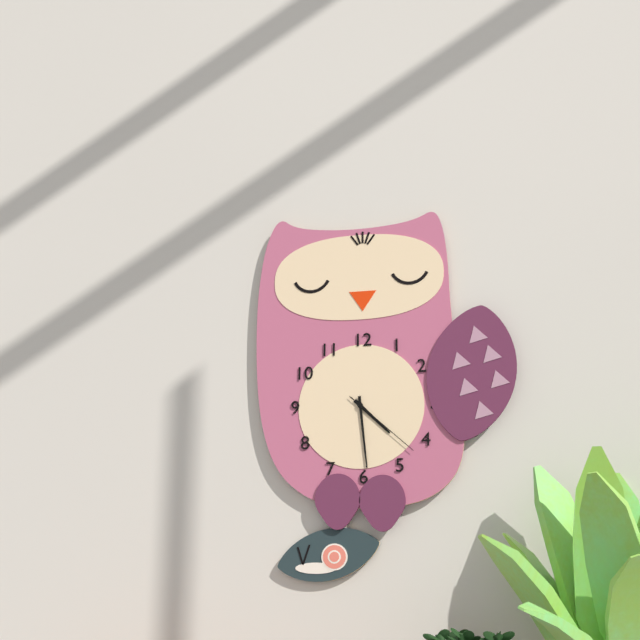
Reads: h=4 m=29 s=22
